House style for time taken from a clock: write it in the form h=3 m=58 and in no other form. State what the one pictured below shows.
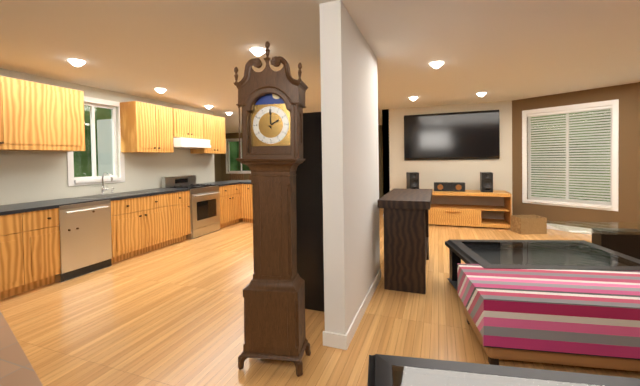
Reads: h=2 m=0
